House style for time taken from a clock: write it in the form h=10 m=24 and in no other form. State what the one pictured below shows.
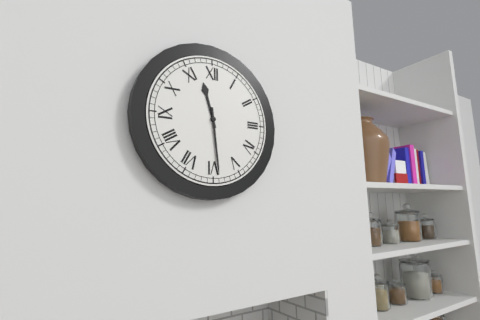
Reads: h=11 m=29
